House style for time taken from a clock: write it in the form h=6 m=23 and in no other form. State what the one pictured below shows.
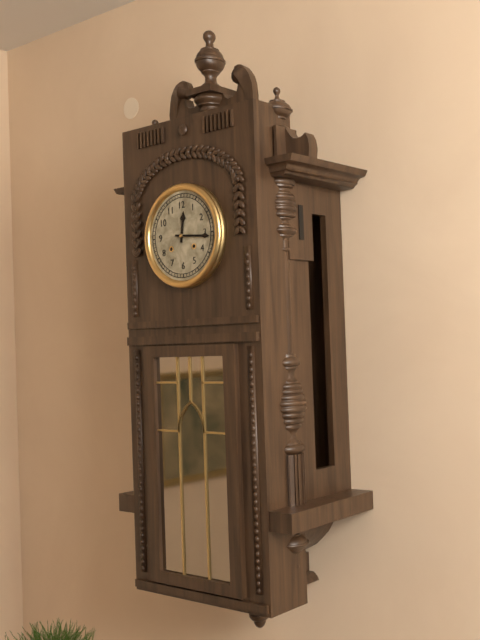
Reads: h=12 m=16
